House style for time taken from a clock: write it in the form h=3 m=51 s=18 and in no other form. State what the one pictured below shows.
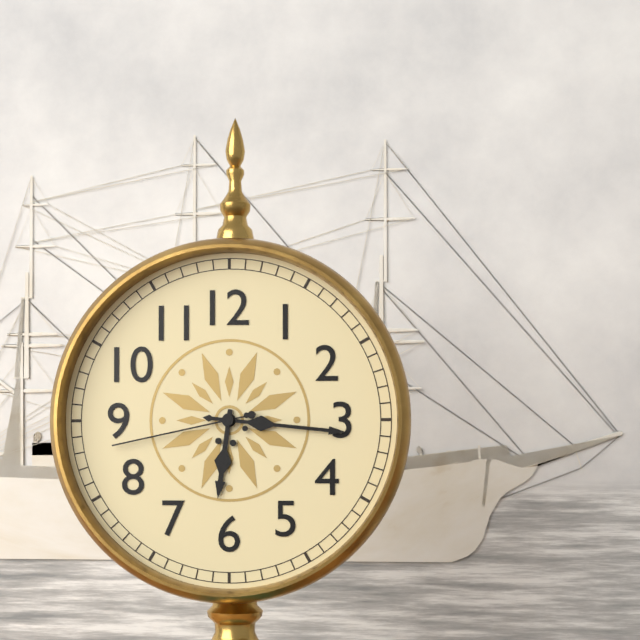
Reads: h=6 m=16 s=43
